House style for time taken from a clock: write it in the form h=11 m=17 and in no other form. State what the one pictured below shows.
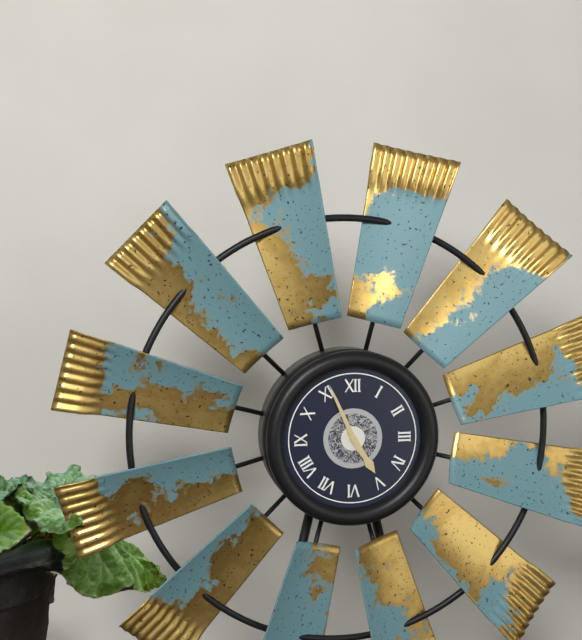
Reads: h=4 m=56
